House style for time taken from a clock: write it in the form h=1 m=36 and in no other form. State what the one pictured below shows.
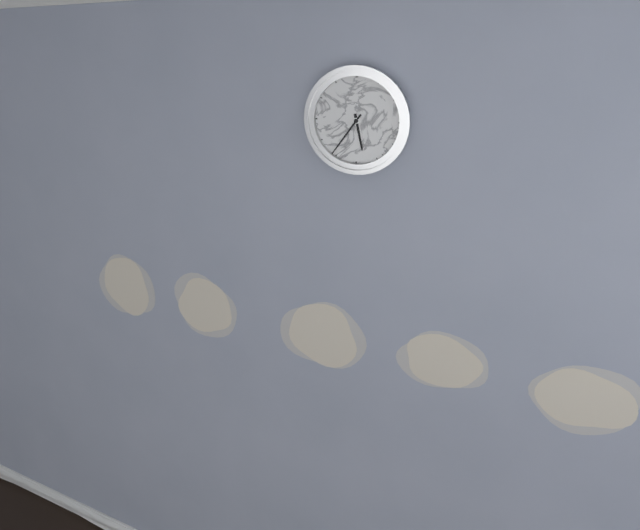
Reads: h=5 m=36
